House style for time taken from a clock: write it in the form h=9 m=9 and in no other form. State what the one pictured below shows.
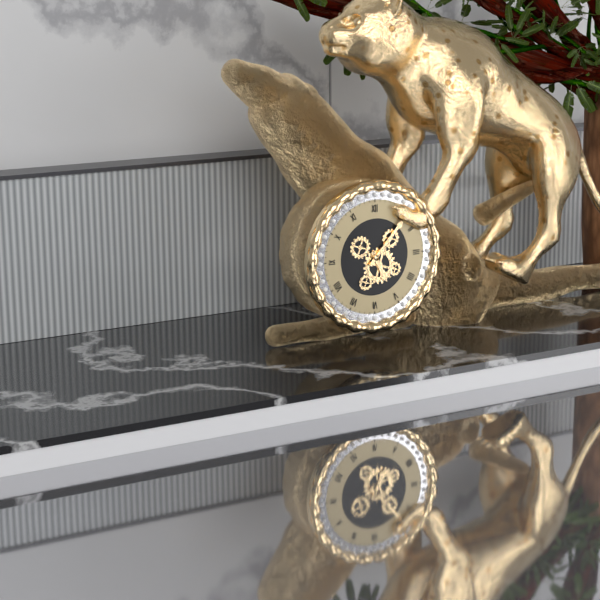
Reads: h=5 m=7
